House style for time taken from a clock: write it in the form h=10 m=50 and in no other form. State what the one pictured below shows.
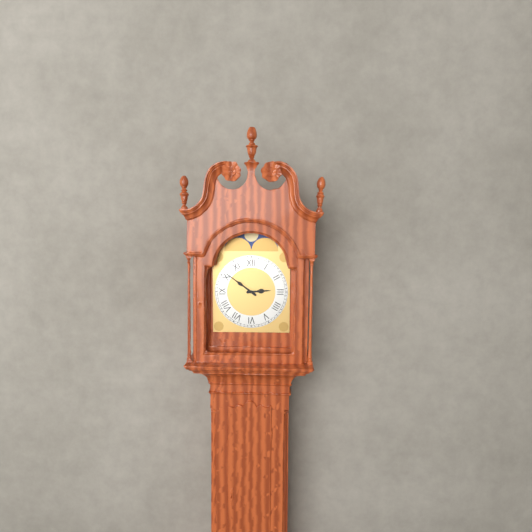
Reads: h=2 m=51
